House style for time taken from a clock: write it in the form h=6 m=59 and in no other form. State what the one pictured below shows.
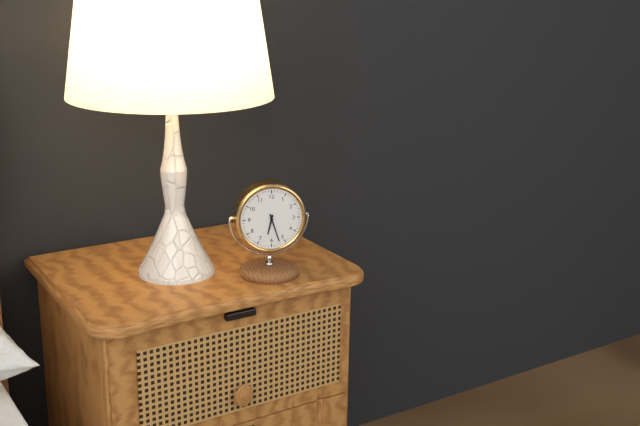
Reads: h=6 m=27
